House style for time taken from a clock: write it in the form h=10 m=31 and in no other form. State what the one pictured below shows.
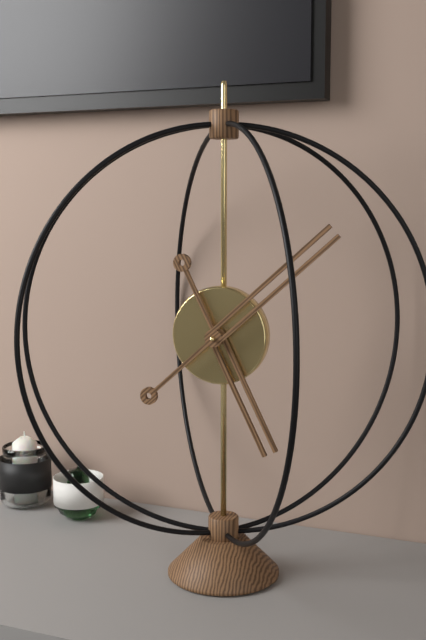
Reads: h=5 m=8
